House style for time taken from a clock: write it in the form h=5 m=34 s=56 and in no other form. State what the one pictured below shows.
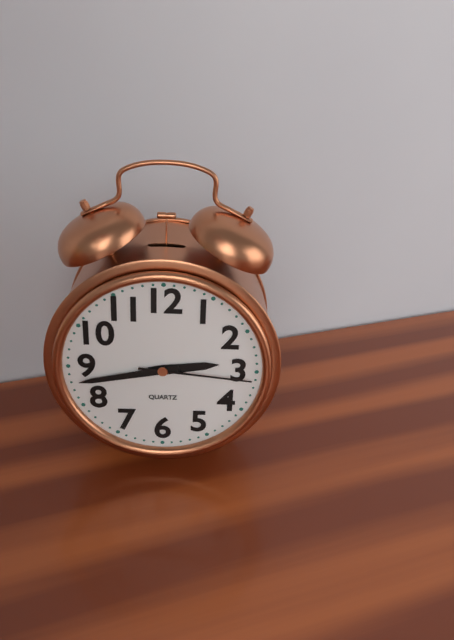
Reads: h=2 m=43 s=16
